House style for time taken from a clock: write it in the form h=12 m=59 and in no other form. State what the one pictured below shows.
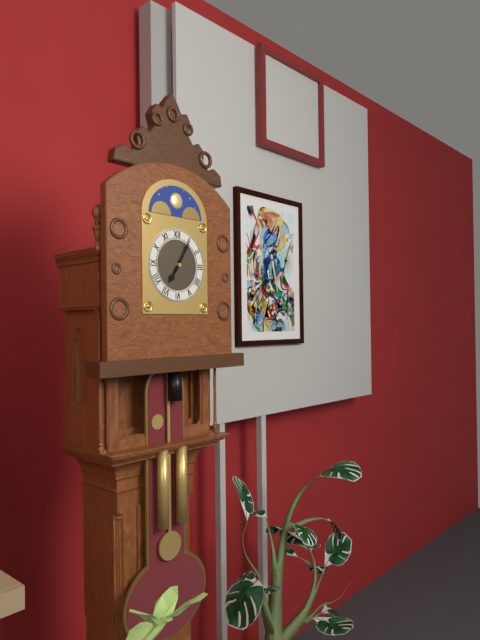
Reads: h=7 m=5
